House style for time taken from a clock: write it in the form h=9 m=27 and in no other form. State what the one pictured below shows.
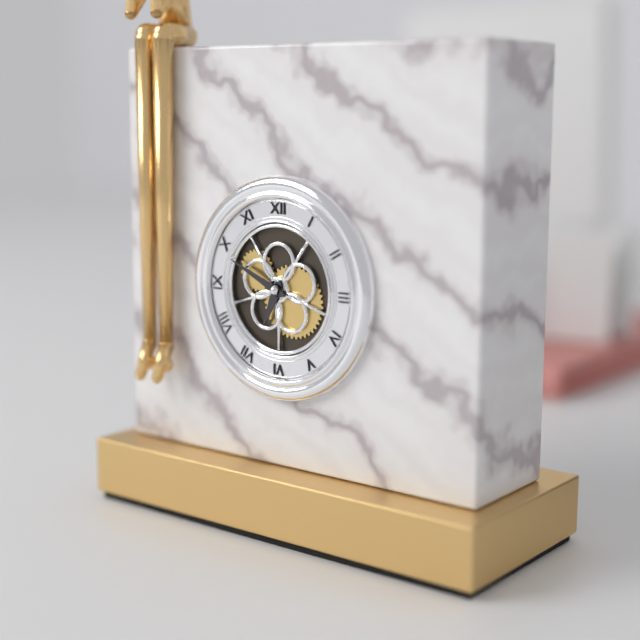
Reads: h=6 m=49
